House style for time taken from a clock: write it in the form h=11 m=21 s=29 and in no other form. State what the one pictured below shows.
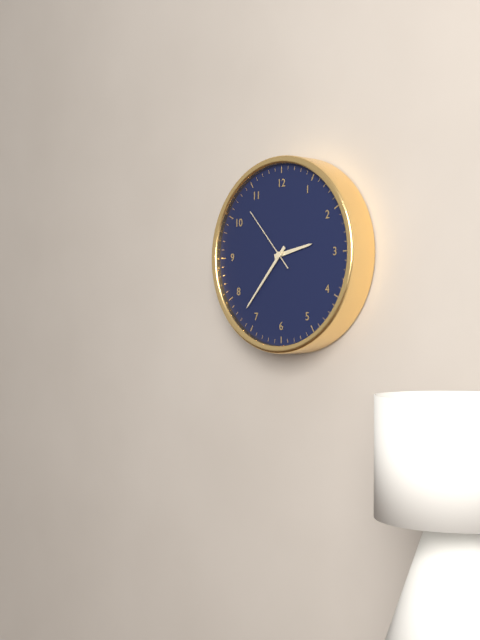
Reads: h=2 m=37 s=53
